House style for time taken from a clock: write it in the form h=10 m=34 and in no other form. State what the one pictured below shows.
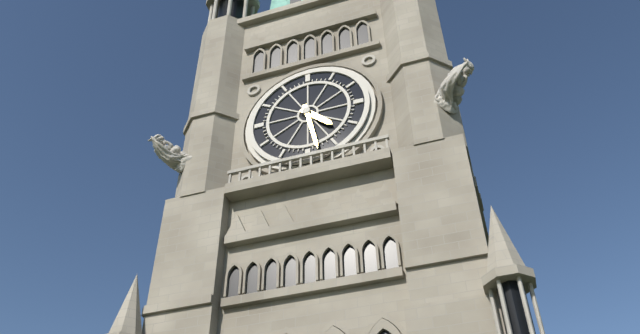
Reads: h=4 m=28
